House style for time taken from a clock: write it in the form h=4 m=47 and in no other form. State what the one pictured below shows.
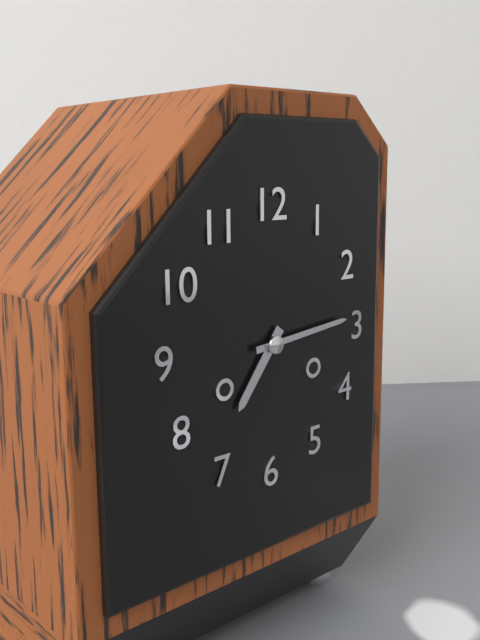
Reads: h=7 m=14
